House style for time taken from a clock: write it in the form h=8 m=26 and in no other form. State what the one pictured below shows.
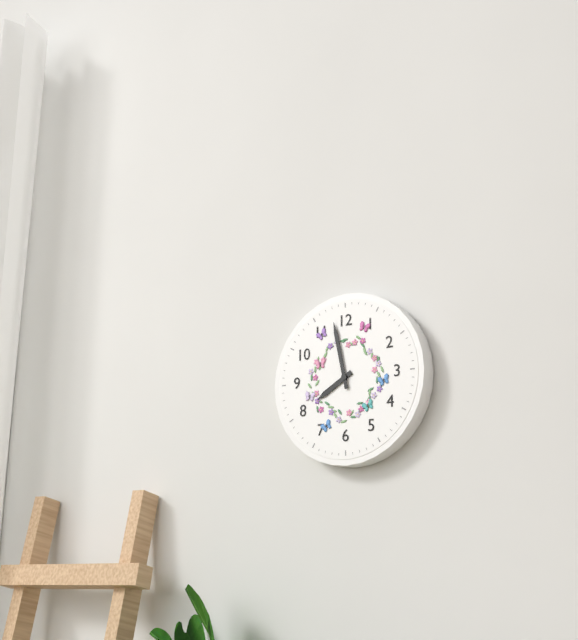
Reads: h=7 m=58
